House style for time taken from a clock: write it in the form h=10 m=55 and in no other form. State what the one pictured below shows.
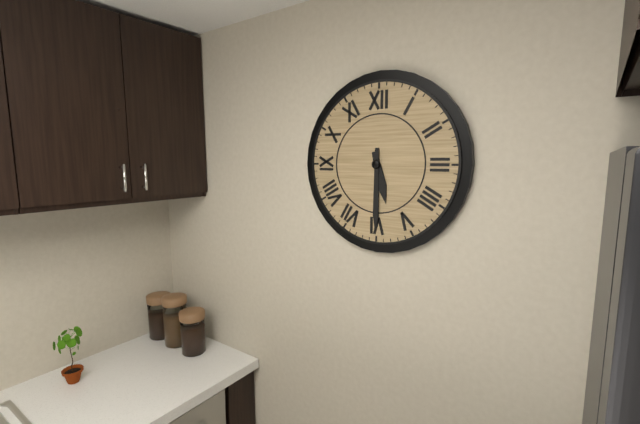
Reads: h=5 m=30
